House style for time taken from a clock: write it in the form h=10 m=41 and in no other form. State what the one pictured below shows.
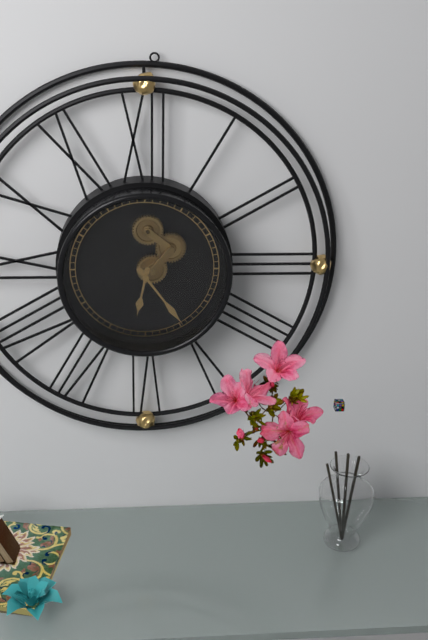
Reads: h=6 m=24
